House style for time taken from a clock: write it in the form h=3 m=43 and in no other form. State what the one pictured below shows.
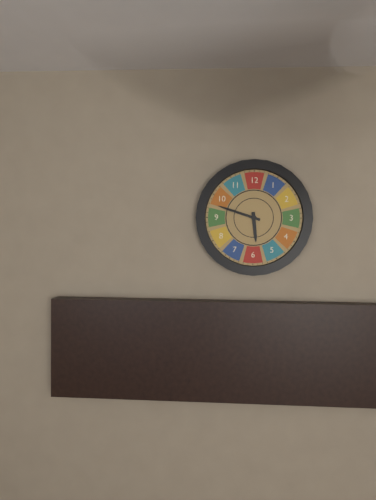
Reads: h=5 m=48
